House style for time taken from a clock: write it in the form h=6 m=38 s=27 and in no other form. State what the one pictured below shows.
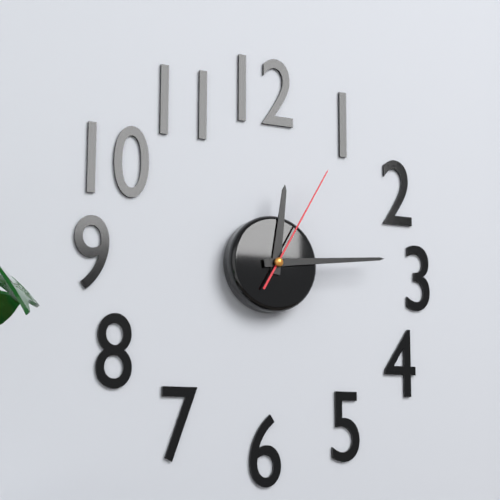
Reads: h=12 m=14 s=5
